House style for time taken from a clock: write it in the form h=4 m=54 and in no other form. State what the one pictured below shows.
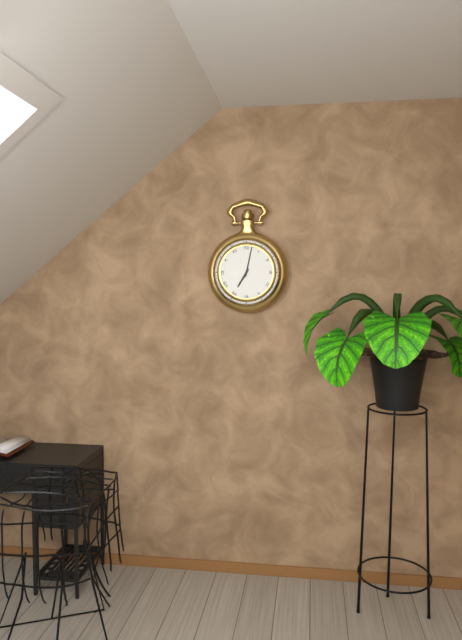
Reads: h=7 m=2
